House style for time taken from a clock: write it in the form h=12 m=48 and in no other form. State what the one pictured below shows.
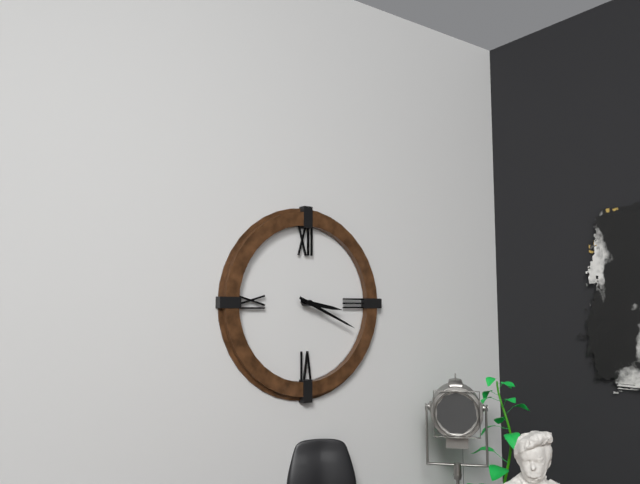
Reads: h=3 m=19
